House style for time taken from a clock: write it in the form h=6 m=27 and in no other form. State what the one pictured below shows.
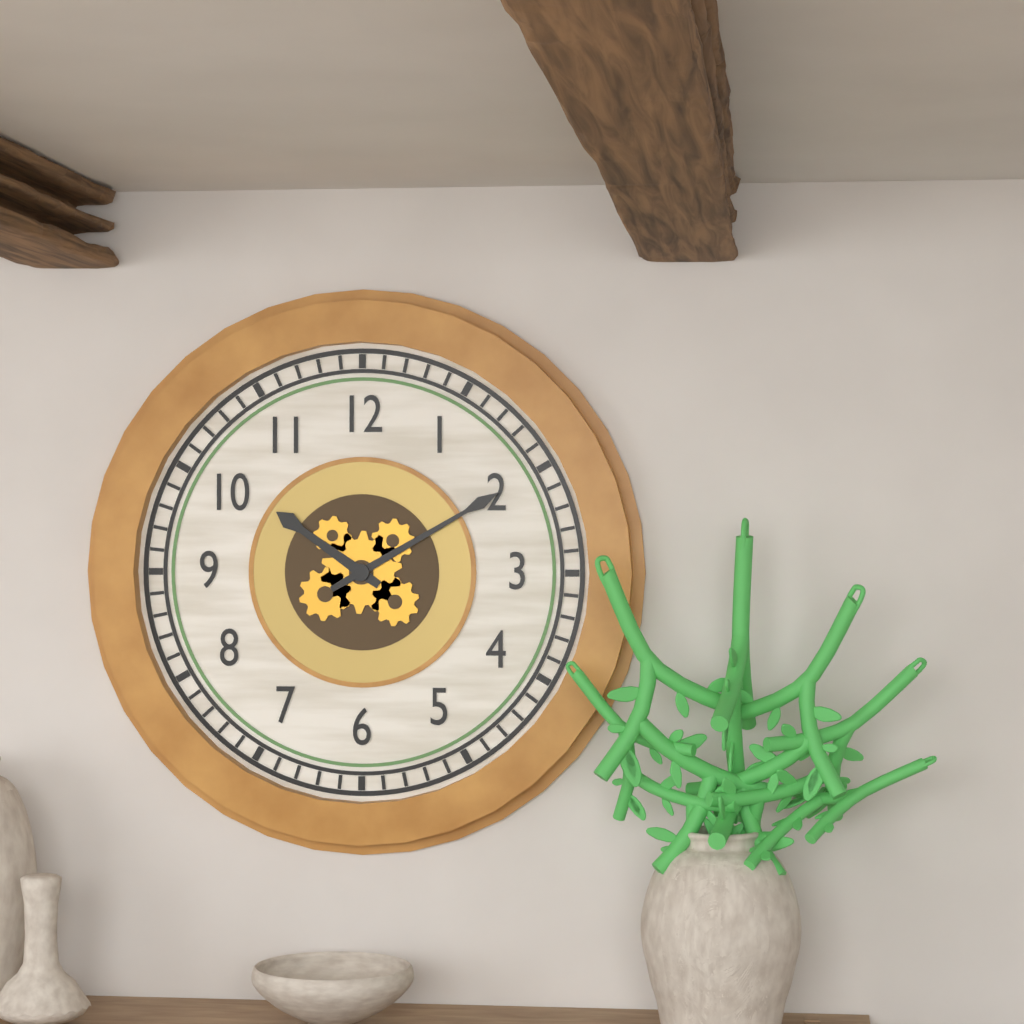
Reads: h=10 m=10
